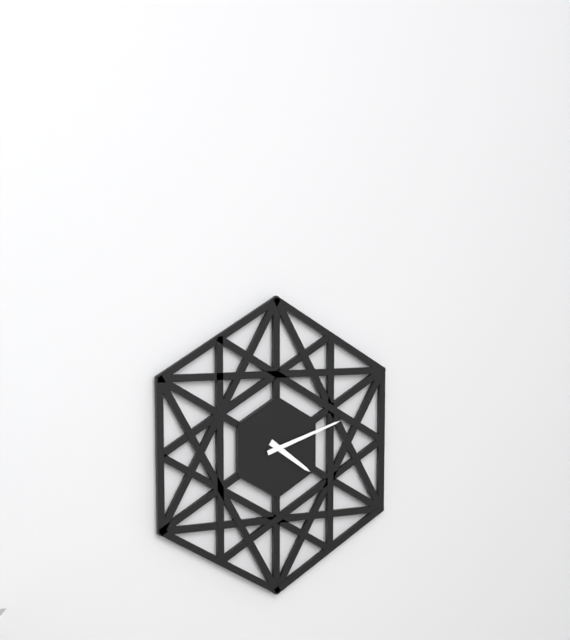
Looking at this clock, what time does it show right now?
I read 4:12
